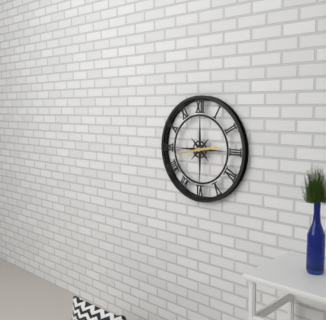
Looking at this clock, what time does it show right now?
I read 2:43
